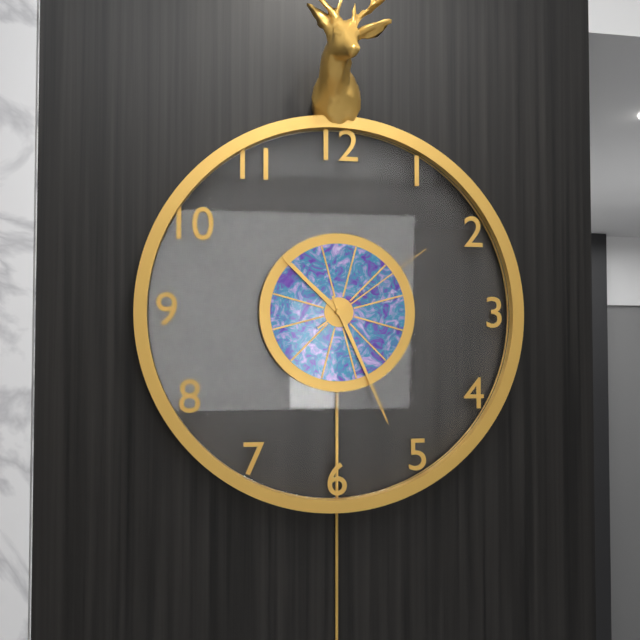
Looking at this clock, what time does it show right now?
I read 10:26:09
